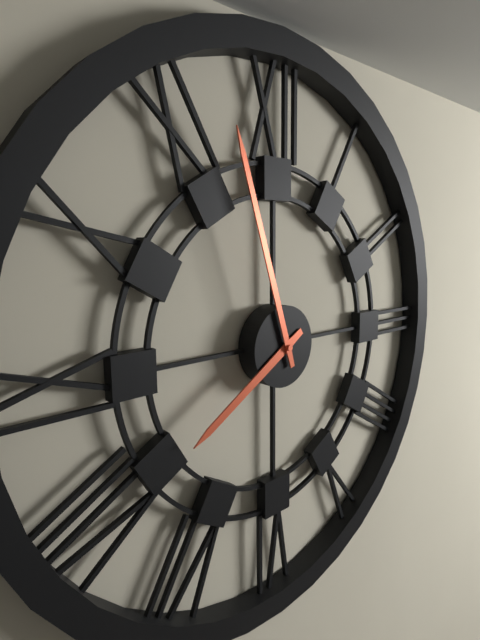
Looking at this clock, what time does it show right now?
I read 7:57
